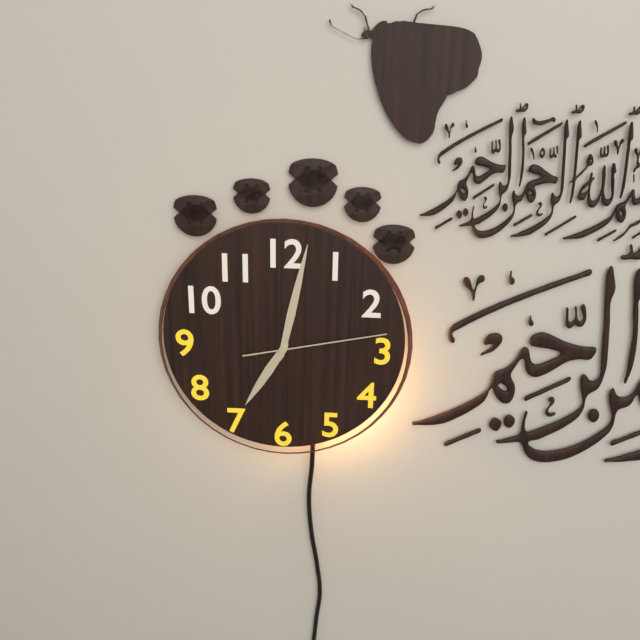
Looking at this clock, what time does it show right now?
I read 7:02:13
